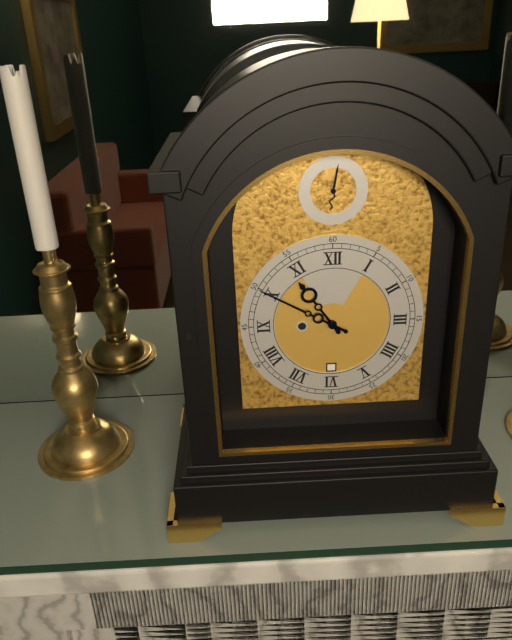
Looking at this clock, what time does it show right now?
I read 10:50
